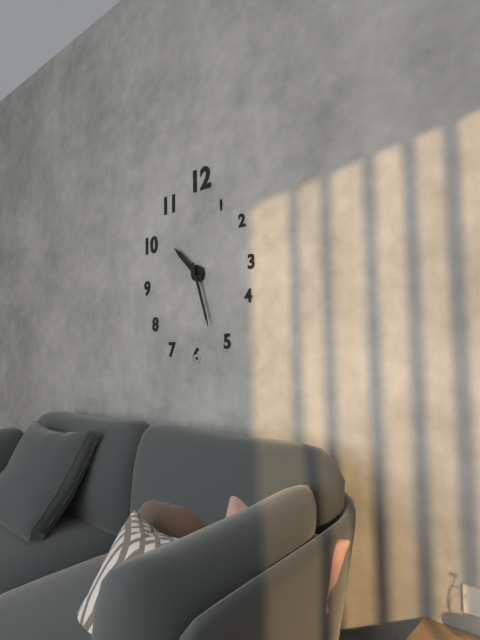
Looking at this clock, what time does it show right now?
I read 10:27
